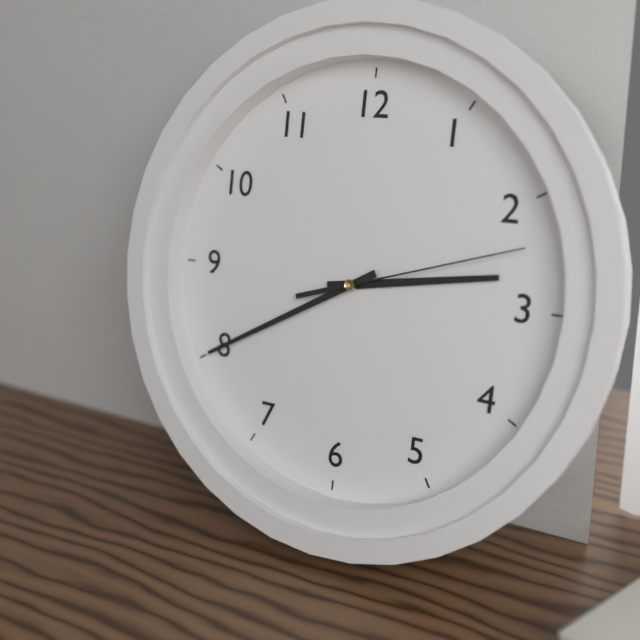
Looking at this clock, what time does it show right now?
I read 2:40:12
